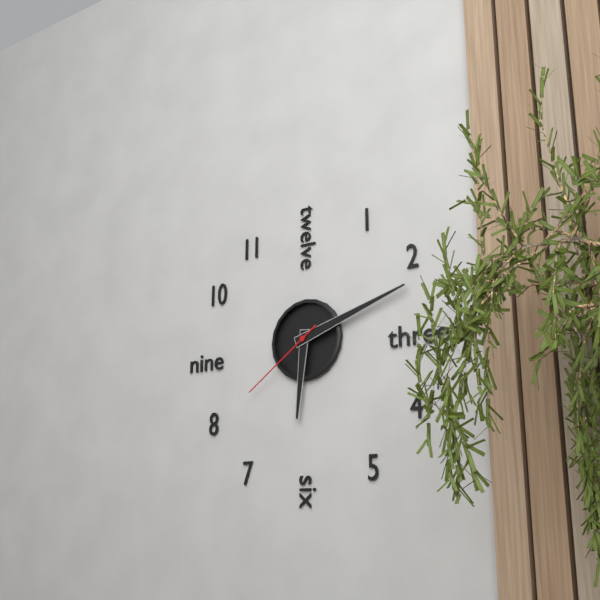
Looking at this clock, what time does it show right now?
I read 6:12:39
